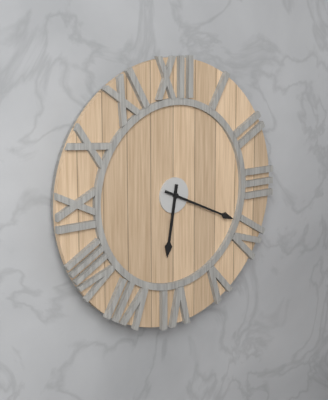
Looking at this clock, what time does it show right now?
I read 6:19
